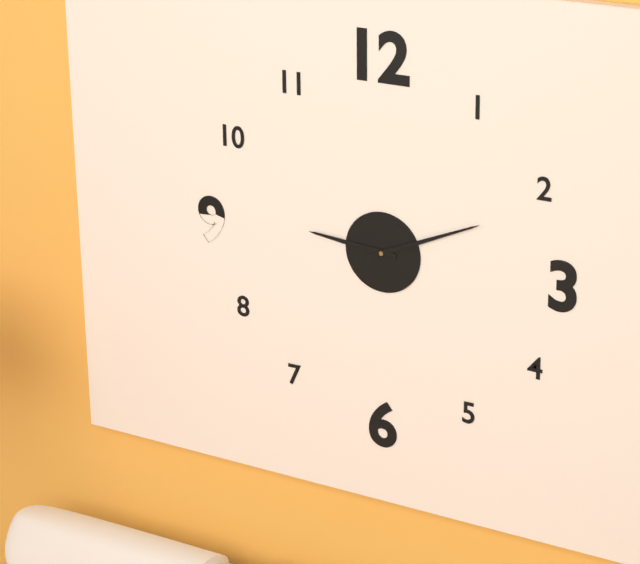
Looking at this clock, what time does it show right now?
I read 9:11
